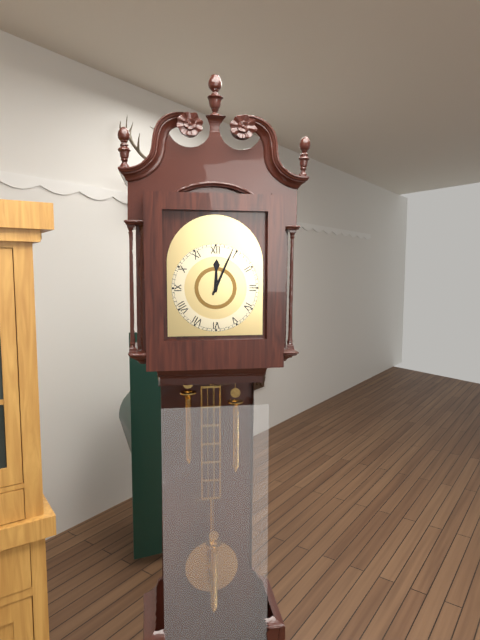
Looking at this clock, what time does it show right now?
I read 12:04
